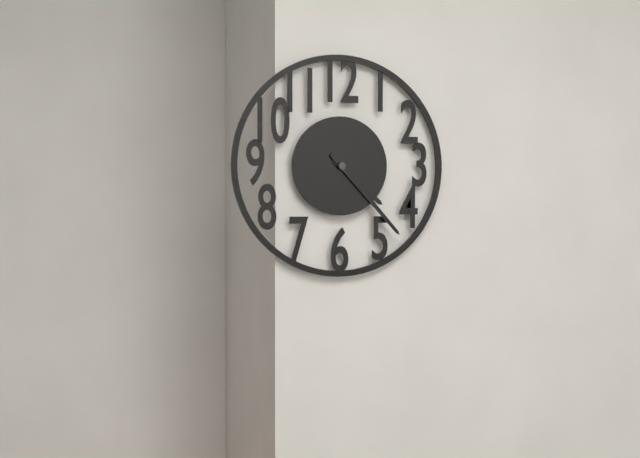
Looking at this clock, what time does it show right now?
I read 4:23
